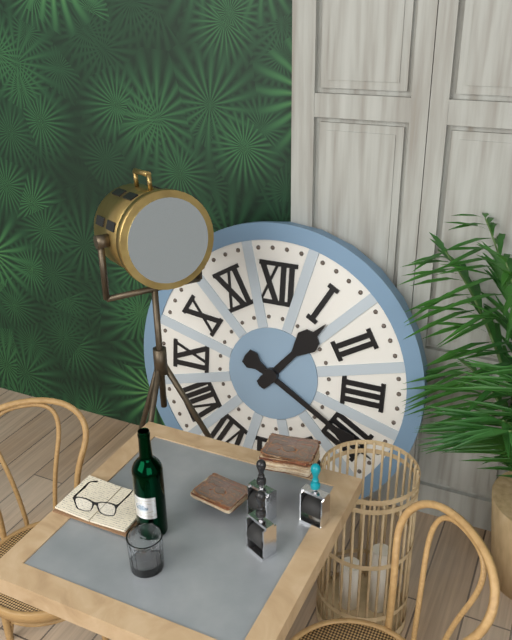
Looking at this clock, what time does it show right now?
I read 1:20
